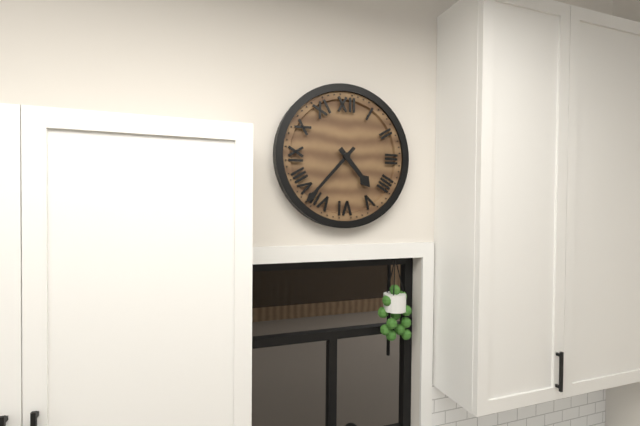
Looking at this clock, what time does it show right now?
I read 4:37
